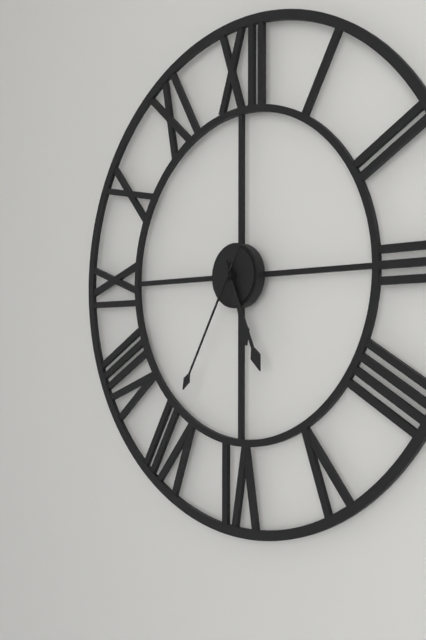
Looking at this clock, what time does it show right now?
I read 5:26:35
